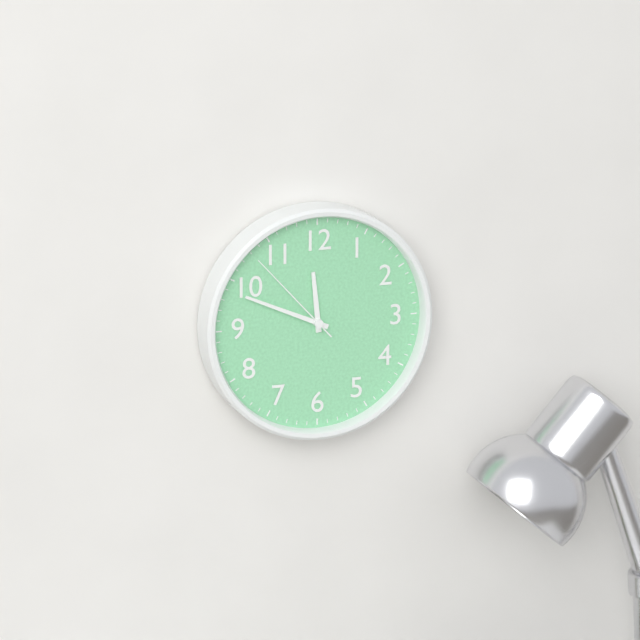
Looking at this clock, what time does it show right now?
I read 11:49:53
